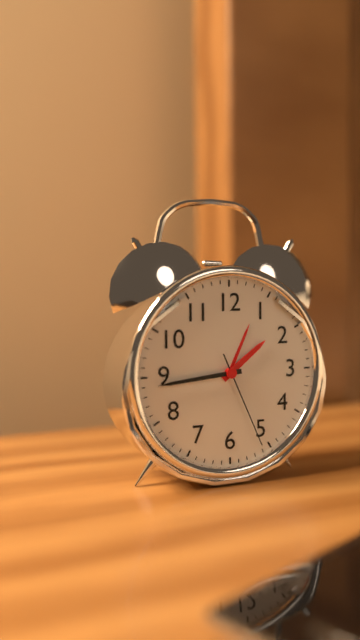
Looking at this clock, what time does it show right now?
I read 1:44:26
